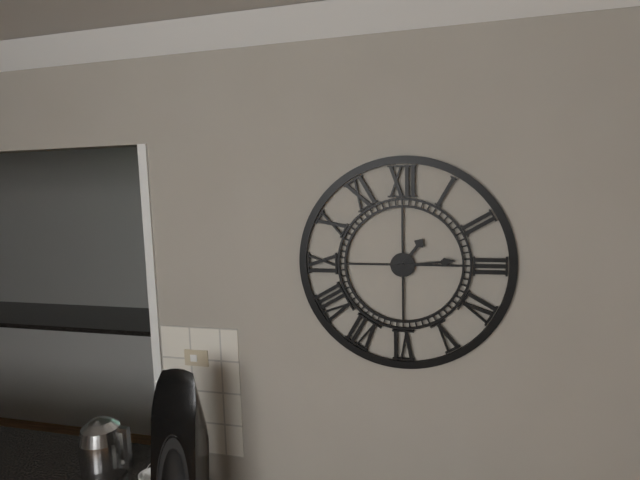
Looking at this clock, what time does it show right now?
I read 1:14
